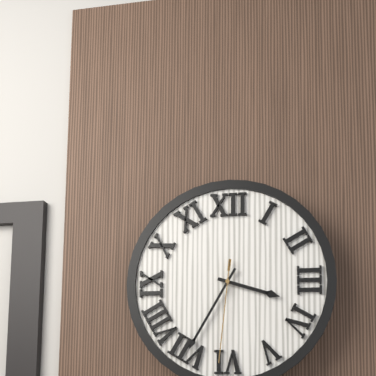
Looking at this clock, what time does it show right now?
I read 3:35:31
